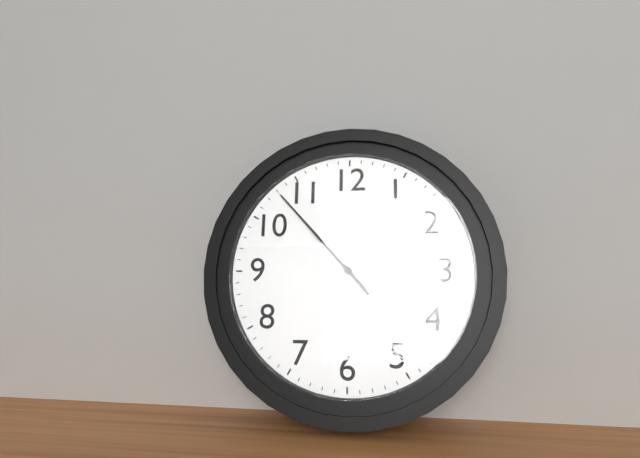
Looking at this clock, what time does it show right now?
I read 12:53
